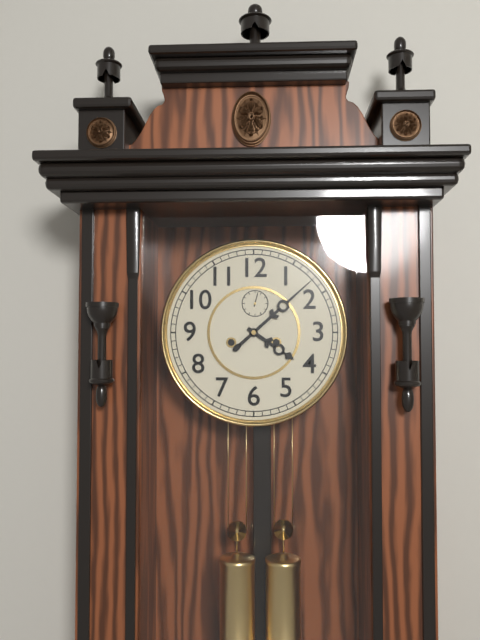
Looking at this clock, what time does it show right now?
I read 4:08
